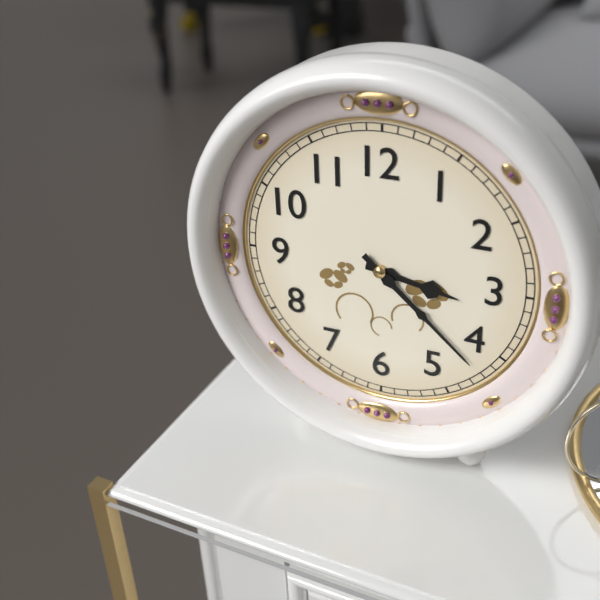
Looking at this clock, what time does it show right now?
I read 3:22
